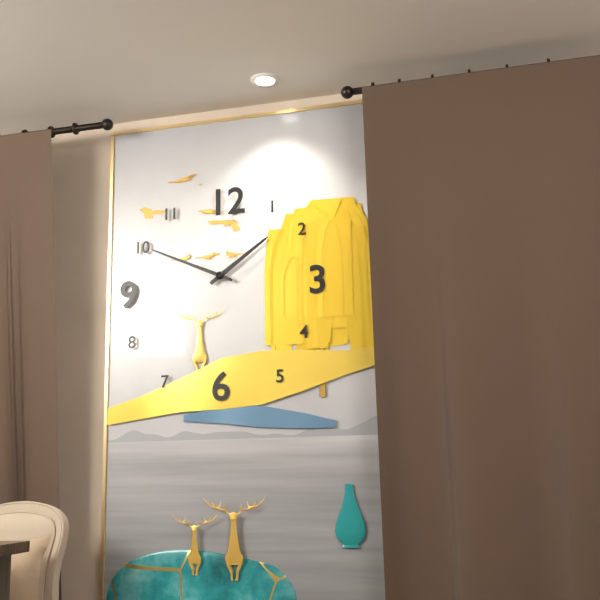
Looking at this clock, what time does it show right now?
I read 1:49
